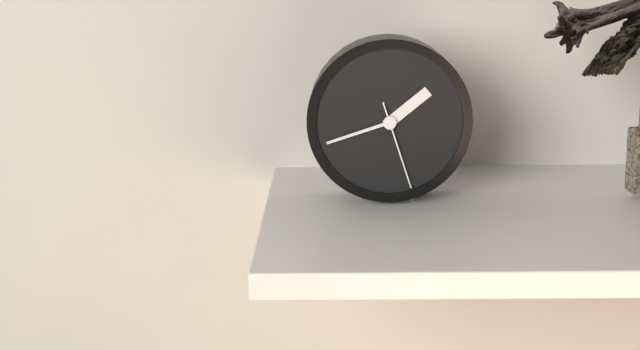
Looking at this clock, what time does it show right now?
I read 1:42:27
